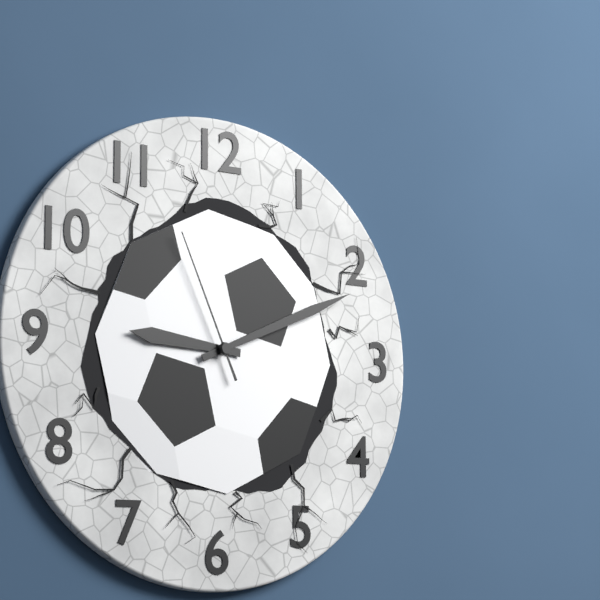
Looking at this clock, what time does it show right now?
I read 9:11:56
